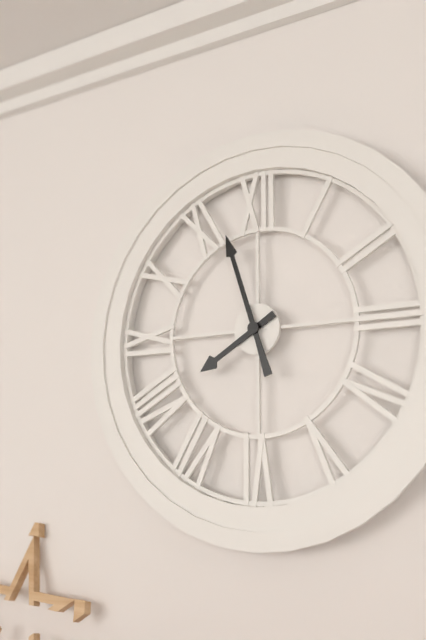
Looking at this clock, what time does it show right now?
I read 7:57
